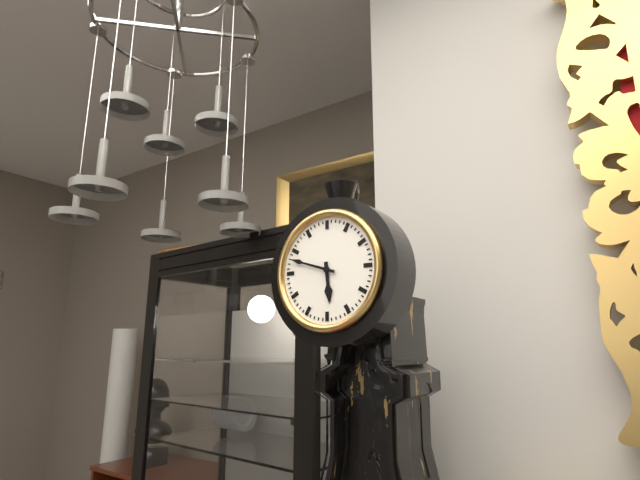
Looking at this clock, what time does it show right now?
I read 5:48
